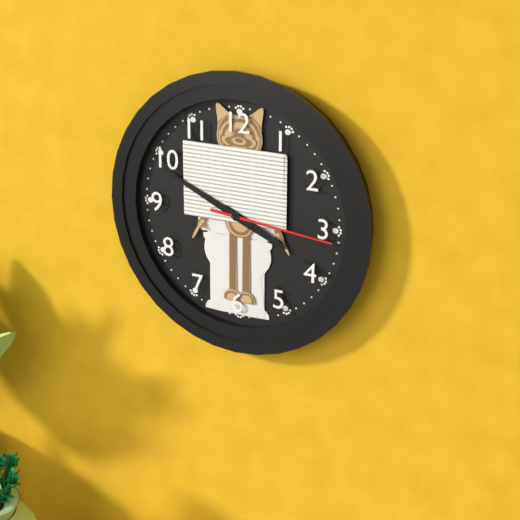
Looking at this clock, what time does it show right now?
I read 3:49:16
